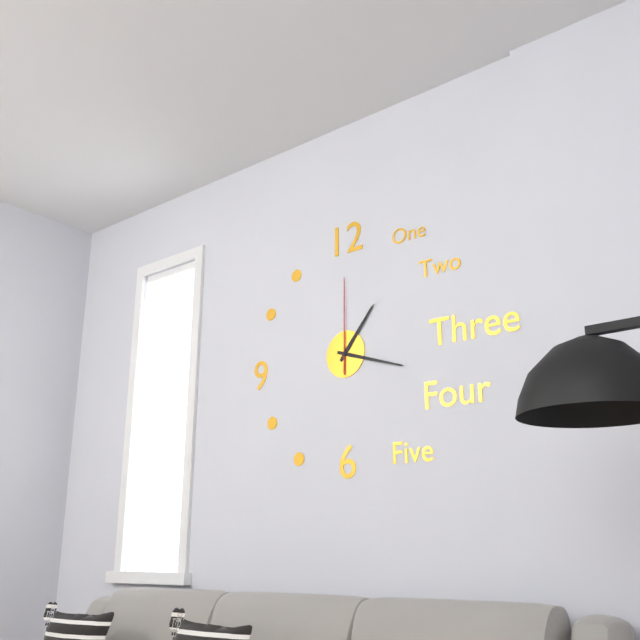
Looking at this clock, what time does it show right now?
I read 1:18:00
